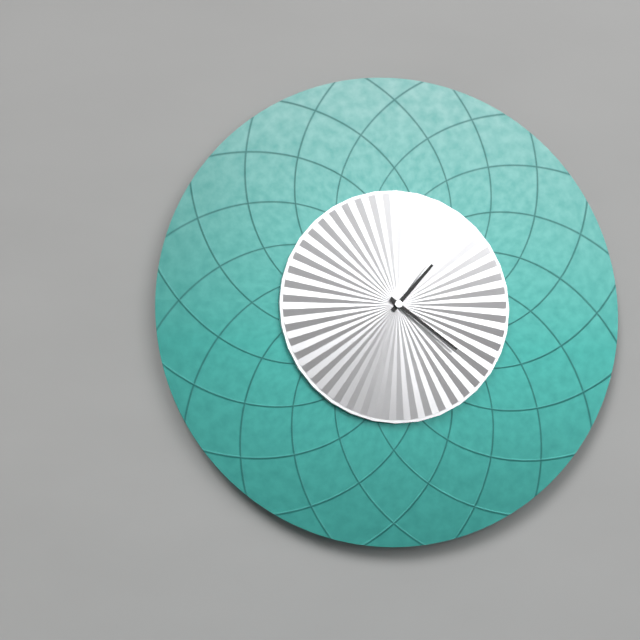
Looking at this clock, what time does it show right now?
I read 1:21
